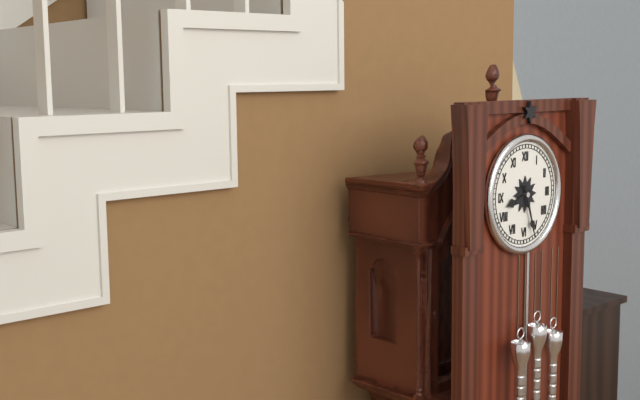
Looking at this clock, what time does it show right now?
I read 8:27
